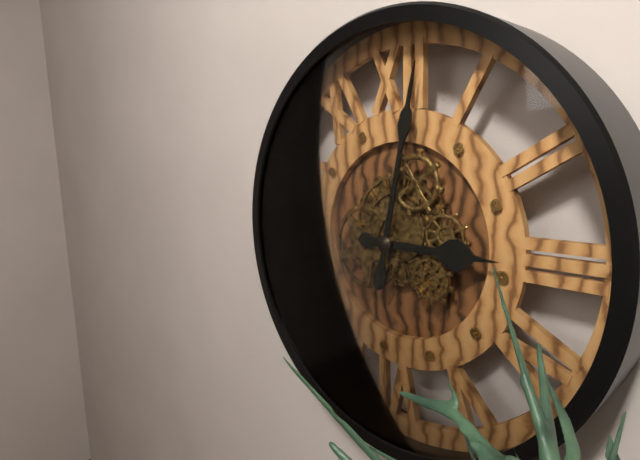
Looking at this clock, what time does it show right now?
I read 3:02
